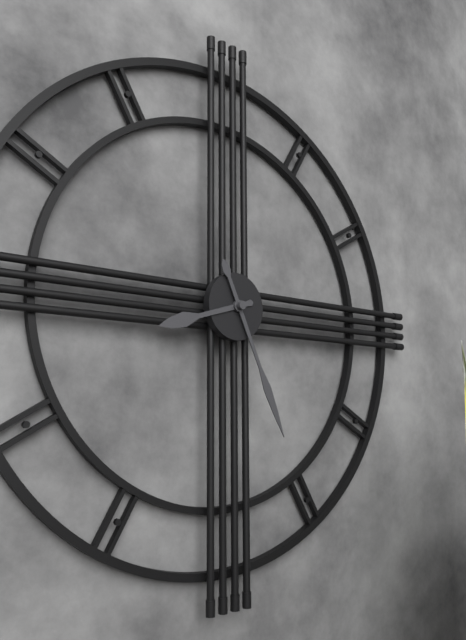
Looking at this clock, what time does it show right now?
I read 8:26
